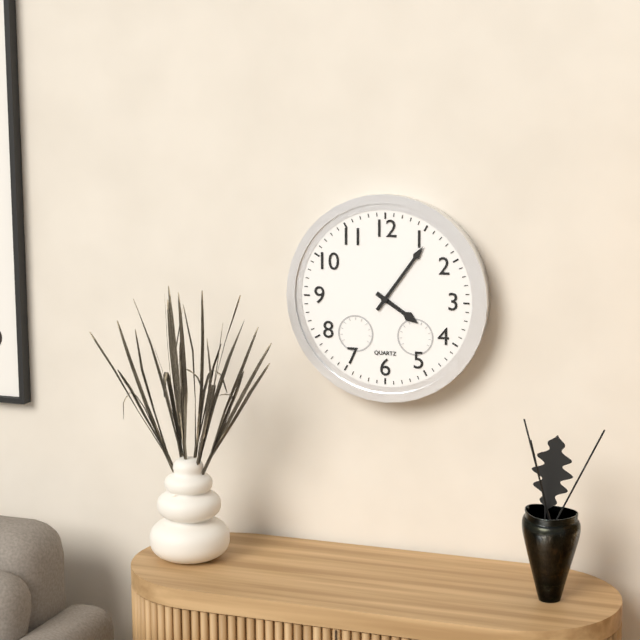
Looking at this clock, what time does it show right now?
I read 4:06
